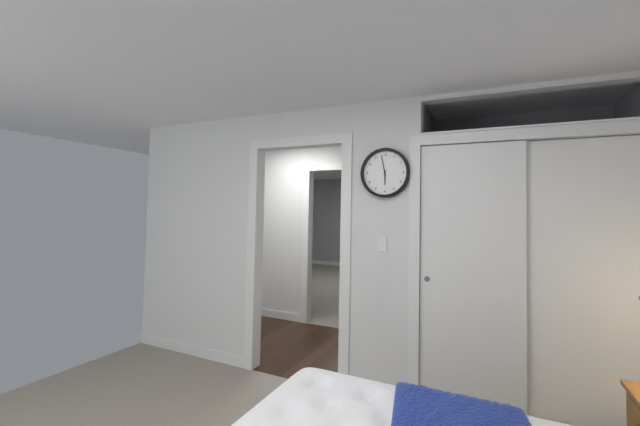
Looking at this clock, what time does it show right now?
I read 5:58
